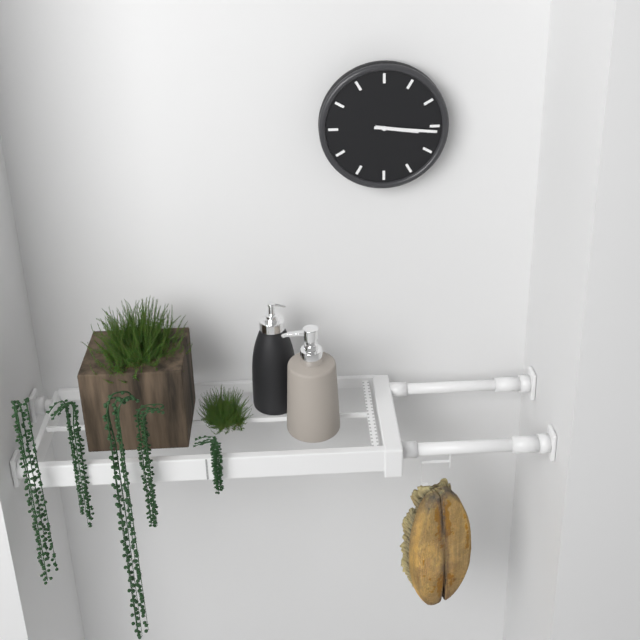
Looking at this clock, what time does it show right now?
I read 3:16
